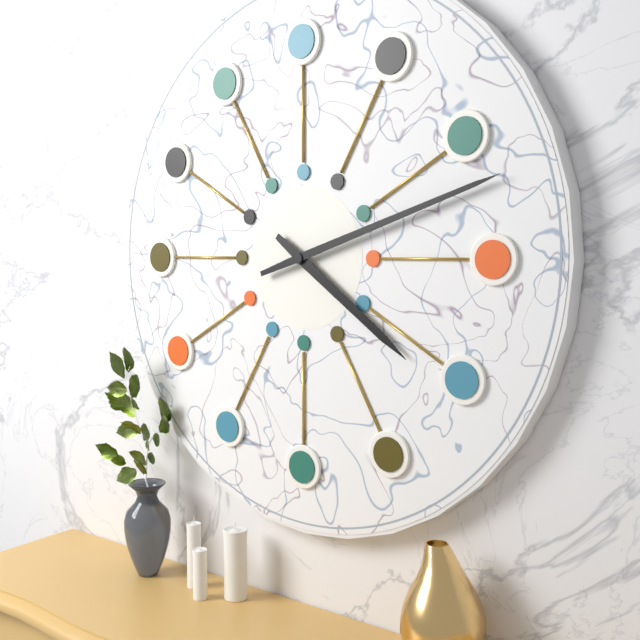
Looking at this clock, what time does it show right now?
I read 4:12
